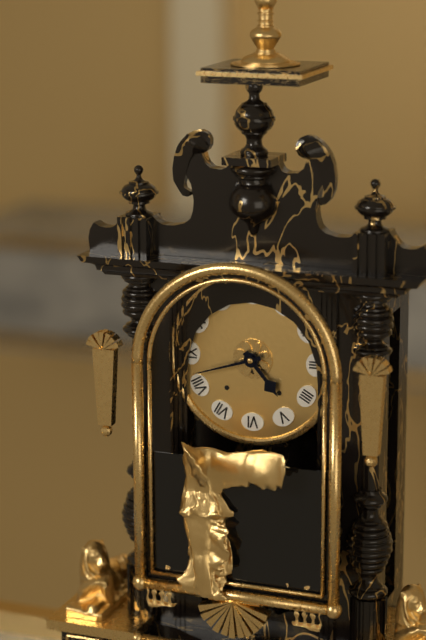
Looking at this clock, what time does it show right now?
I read 4:42
